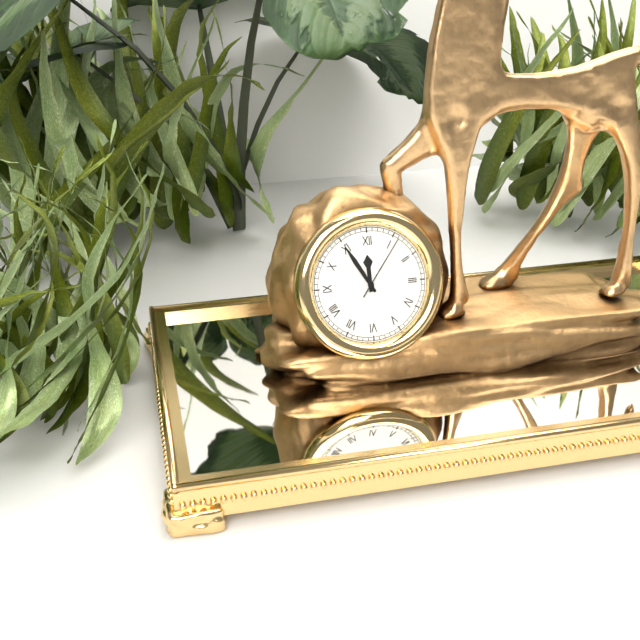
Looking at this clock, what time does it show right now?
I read 11:55:06
